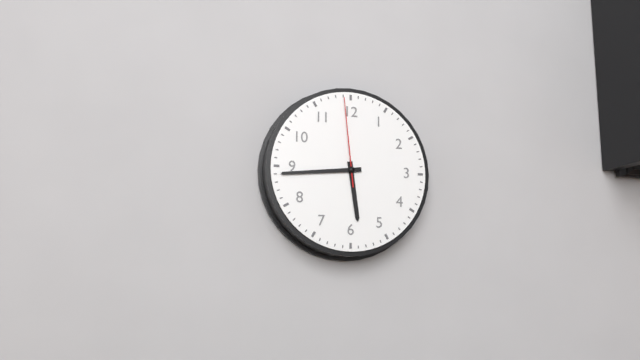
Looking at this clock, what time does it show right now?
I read 5:44:59
